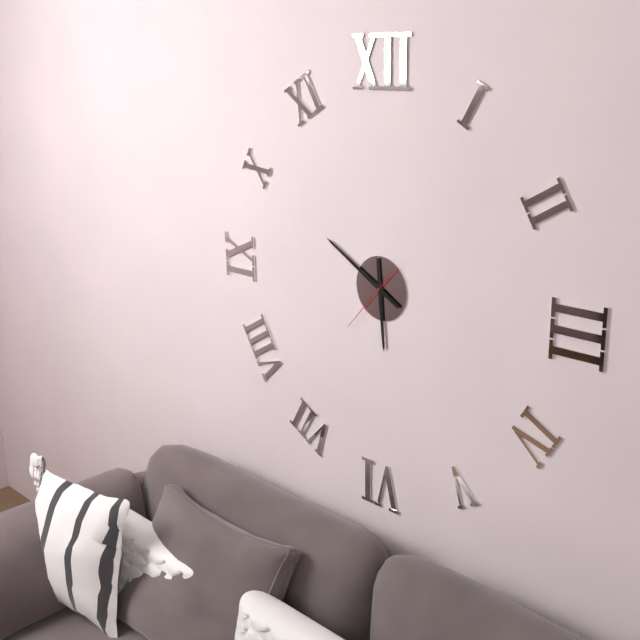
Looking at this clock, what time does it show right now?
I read 5:50:37
